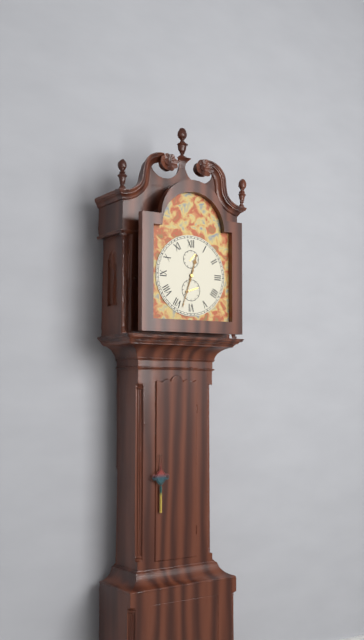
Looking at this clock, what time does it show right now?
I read 12:33
